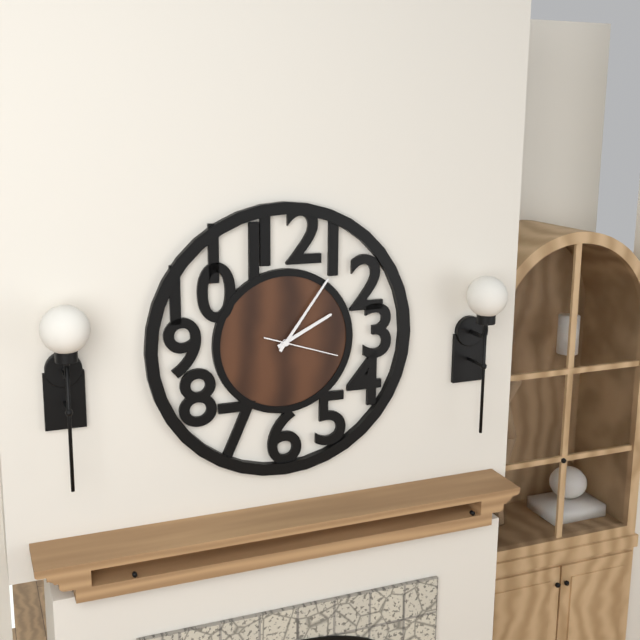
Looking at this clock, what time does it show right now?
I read 2:06:18
